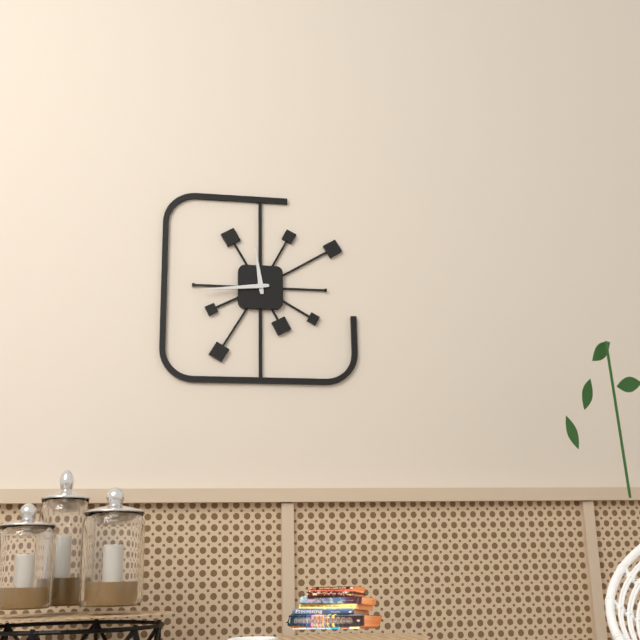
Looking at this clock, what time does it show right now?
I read 11:44
